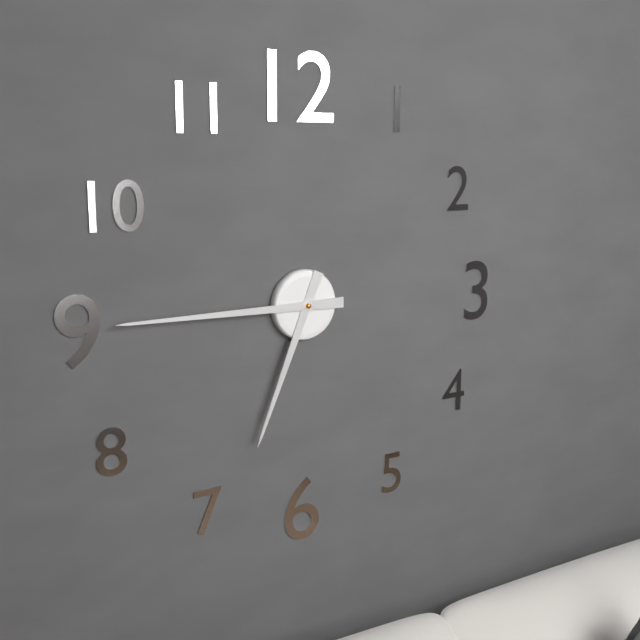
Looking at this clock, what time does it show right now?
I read 6:45
